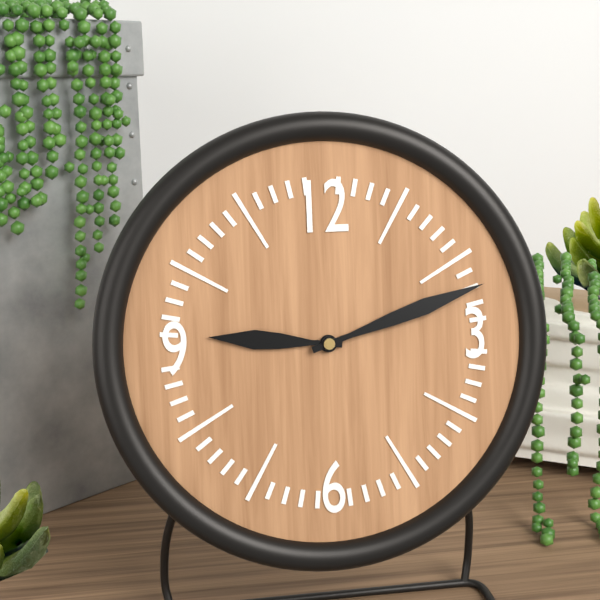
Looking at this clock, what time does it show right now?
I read 9:12
